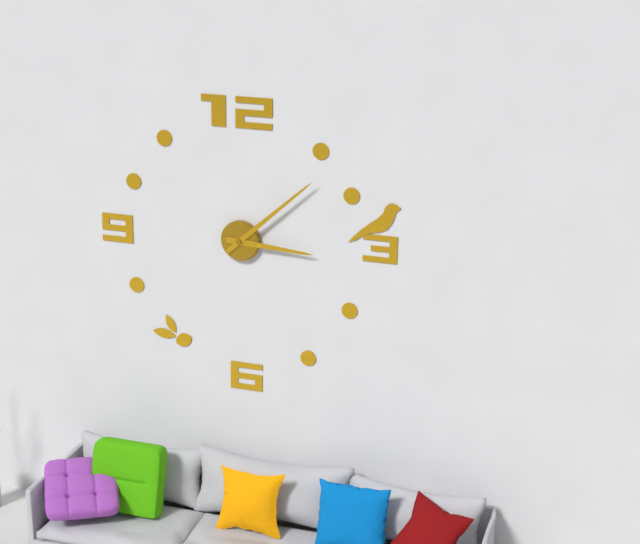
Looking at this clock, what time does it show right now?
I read 3:08
